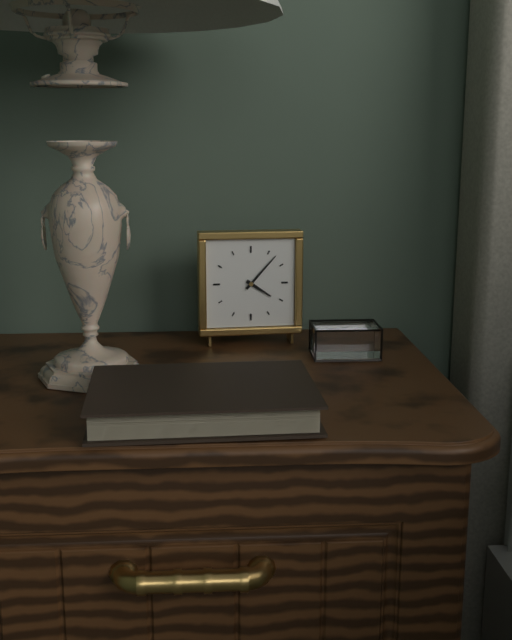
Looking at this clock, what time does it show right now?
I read 4:07
